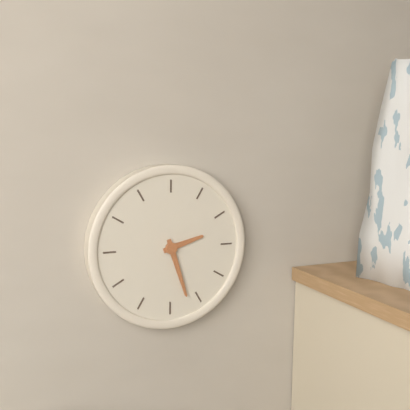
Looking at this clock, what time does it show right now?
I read 2:27
